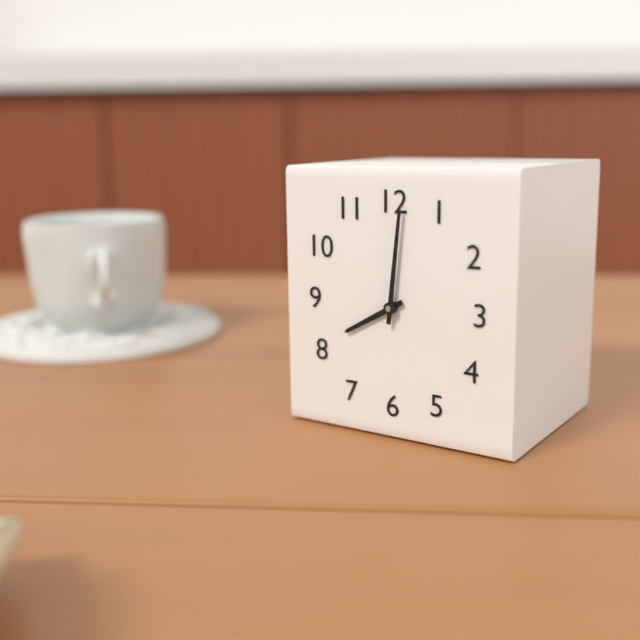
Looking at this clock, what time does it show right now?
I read 8:01
